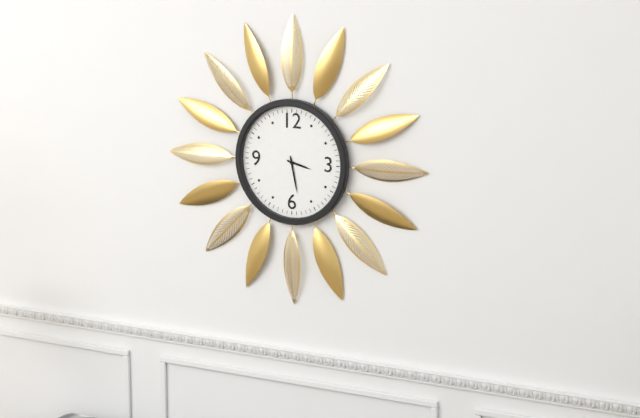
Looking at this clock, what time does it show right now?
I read 3:28
